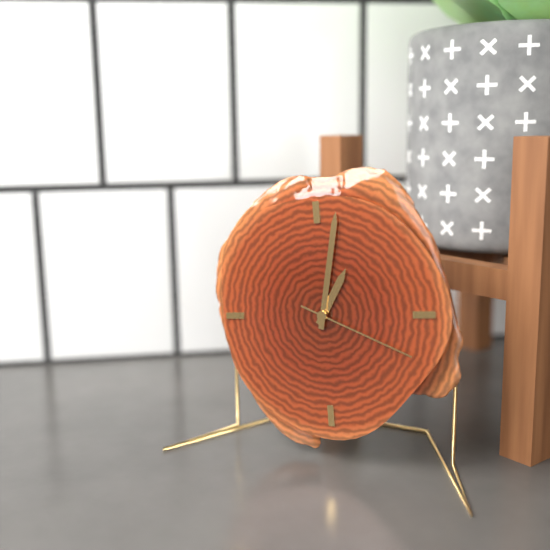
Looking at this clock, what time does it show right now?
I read 1:02:19
